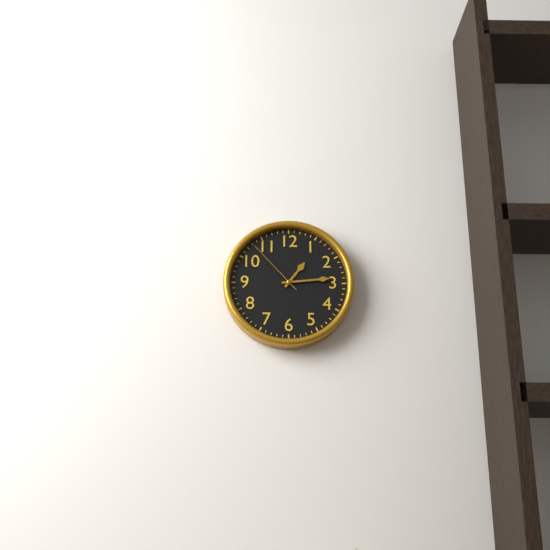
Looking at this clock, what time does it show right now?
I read 1:14:53
